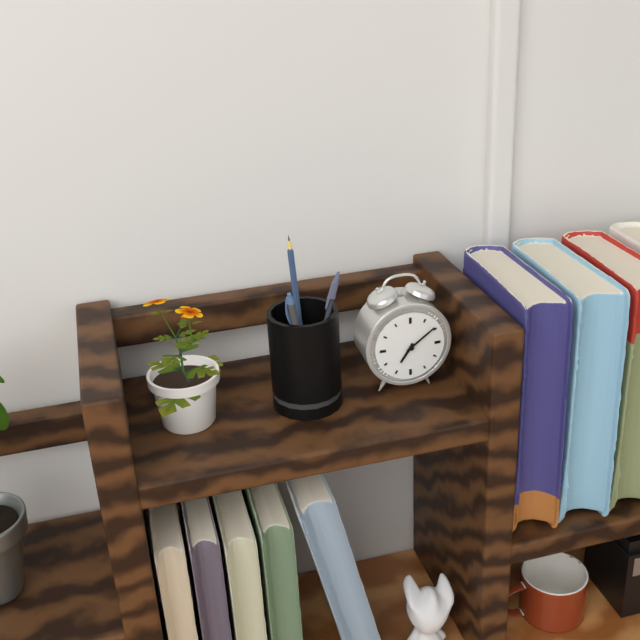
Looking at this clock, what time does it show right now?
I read 7:09
